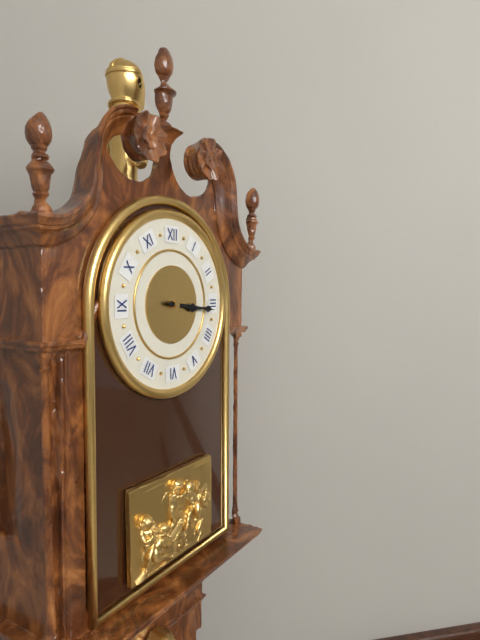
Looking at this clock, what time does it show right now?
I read 3:16
